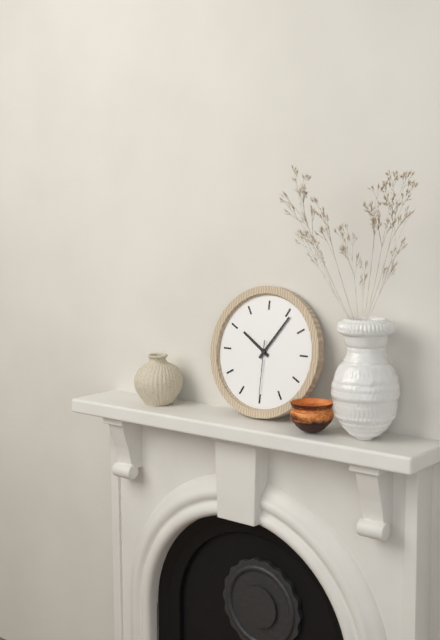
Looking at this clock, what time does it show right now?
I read 10:06:30
